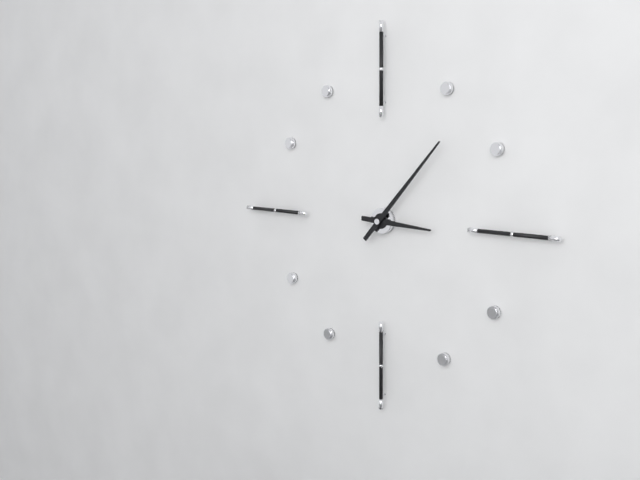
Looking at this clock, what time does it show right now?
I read 3:07
